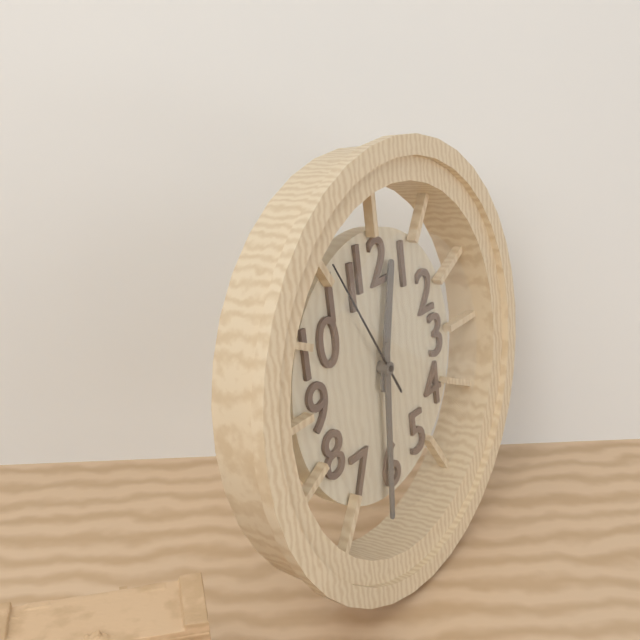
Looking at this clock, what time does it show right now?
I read 12:31:55
